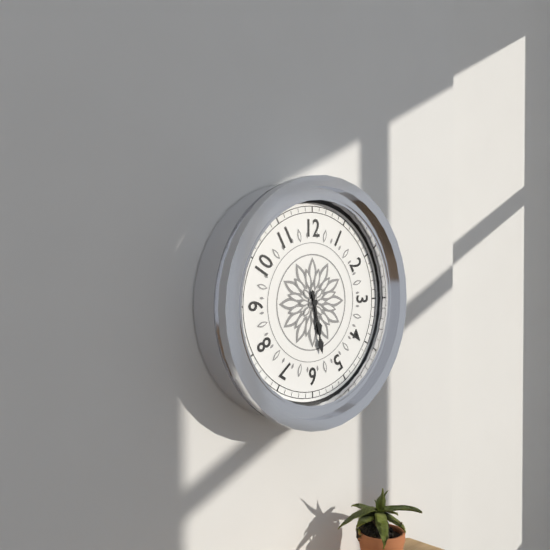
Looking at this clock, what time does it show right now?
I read 5:28
